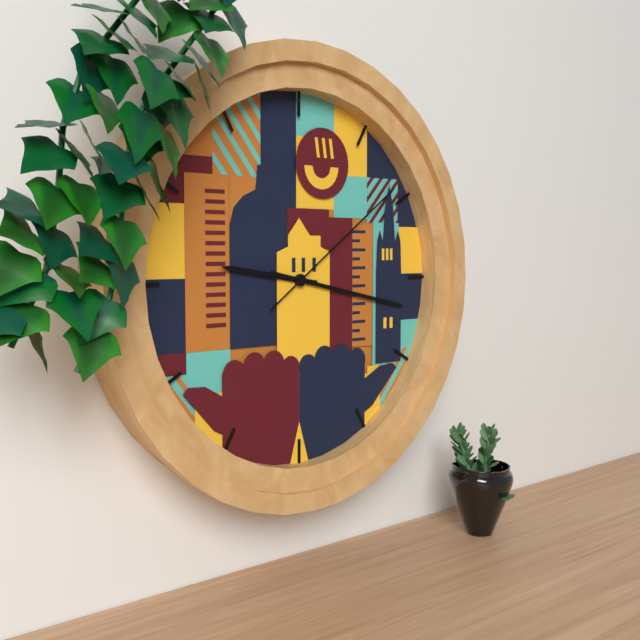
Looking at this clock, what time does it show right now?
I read 9:17:09
